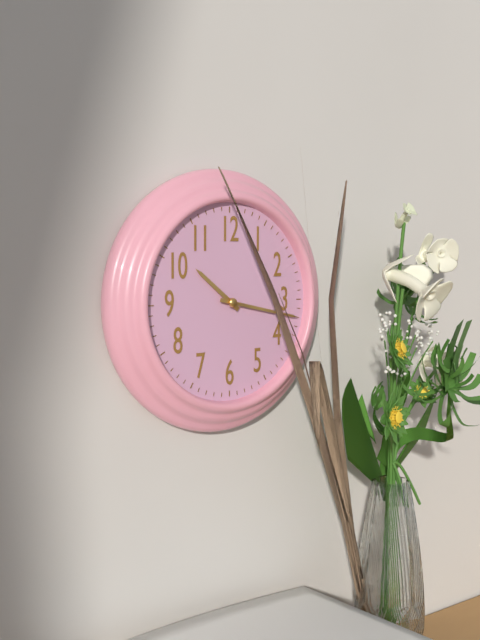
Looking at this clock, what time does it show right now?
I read 10:17
